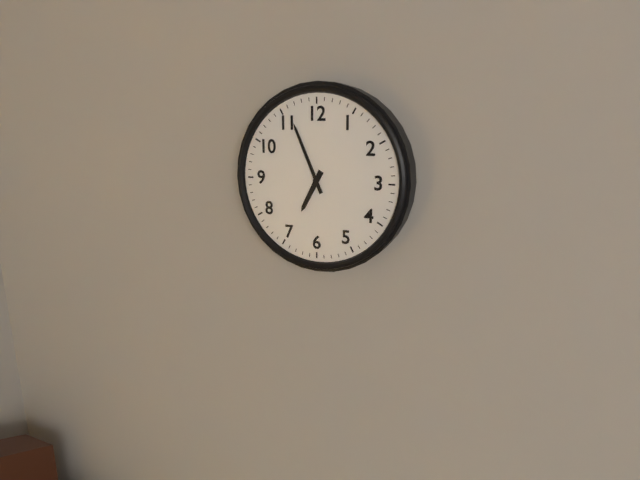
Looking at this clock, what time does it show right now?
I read 6:56
